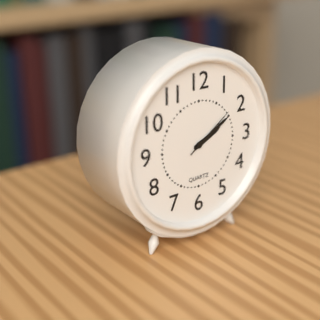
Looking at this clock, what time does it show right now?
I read 2:10:09
